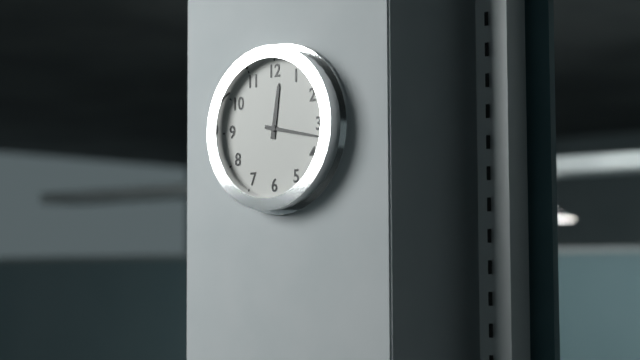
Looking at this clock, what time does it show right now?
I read 12:17
